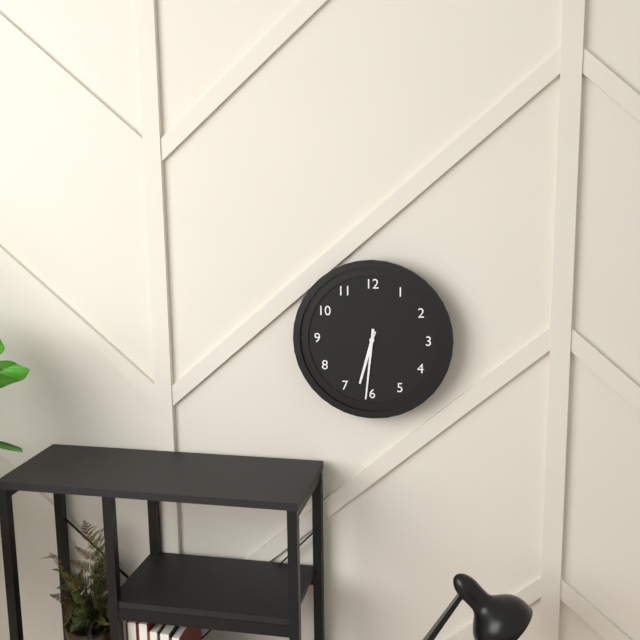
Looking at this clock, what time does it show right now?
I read 6:31
